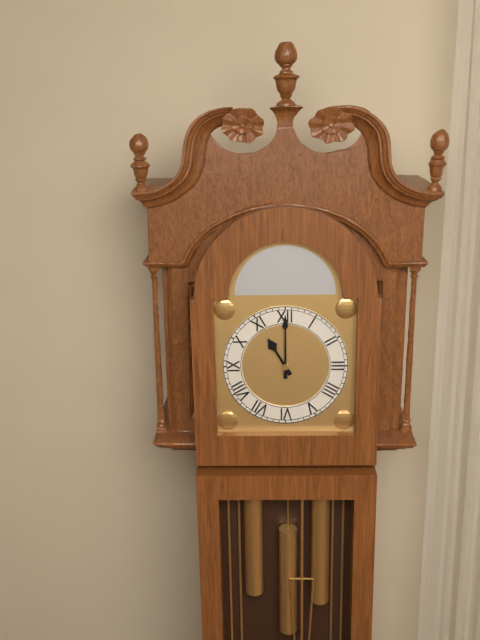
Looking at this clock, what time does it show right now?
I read 11:00
